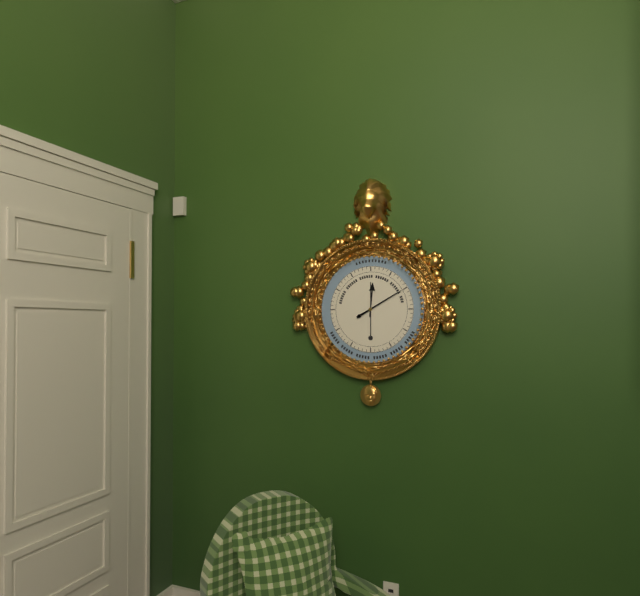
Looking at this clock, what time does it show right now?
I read 12:10
